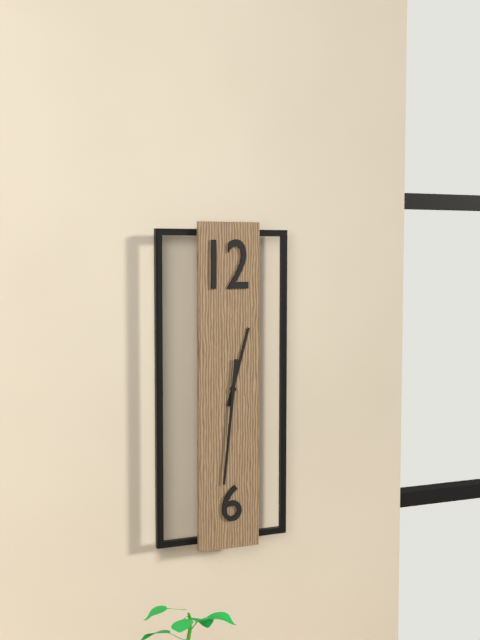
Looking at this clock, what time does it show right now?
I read 12:31
